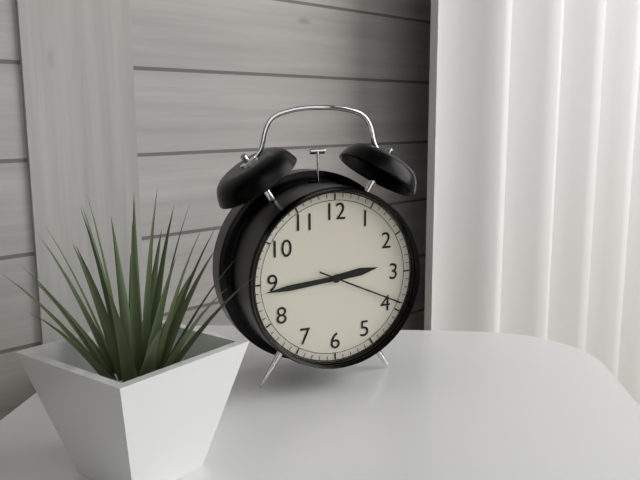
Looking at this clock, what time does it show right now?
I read 2:44:19
